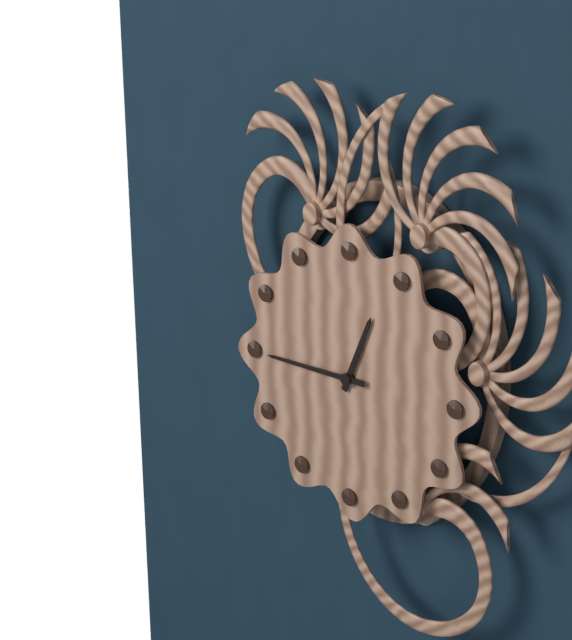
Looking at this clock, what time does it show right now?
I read 12:45
